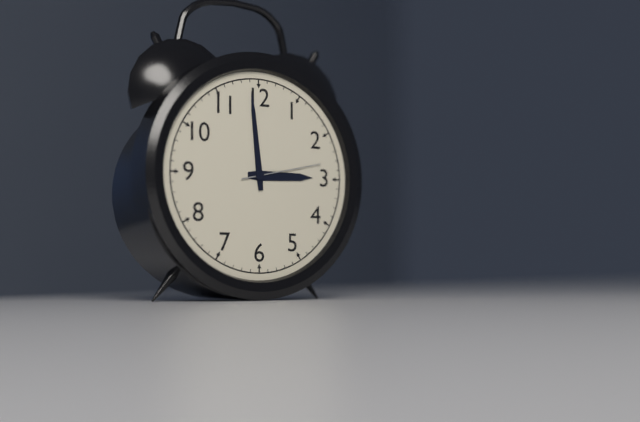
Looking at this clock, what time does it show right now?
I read 2:59:13
